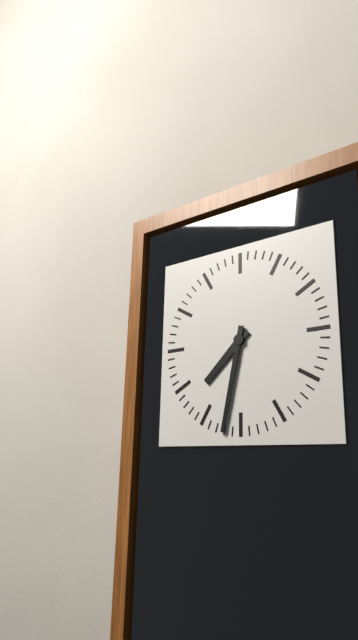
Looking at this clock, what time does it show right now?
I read 7:32
